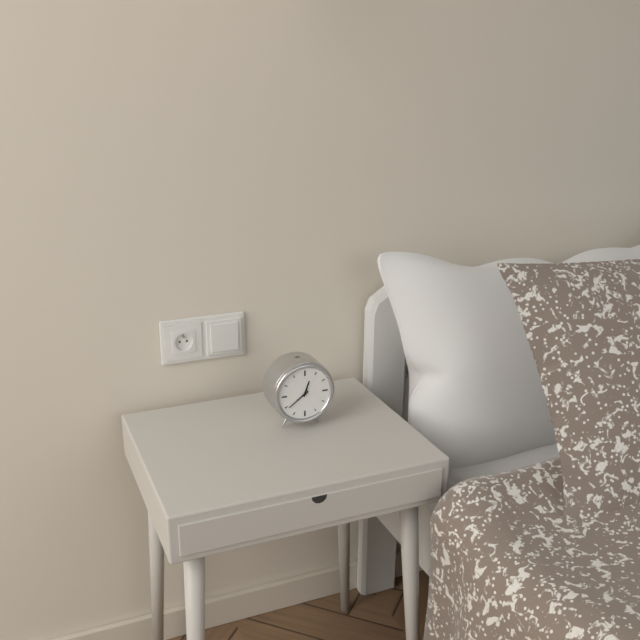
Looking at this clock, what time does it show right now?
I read 12:39
